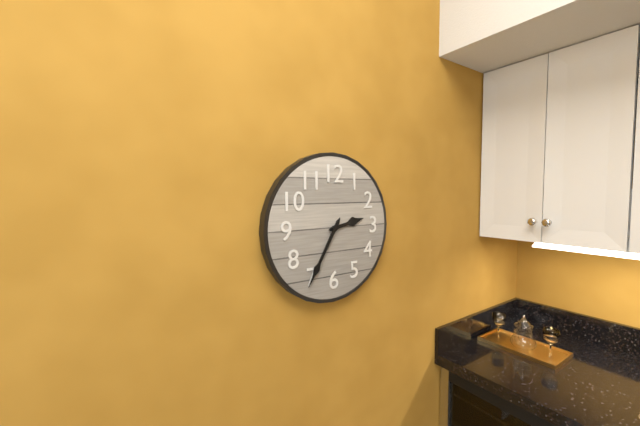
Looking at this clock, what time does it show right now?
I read 2:35
